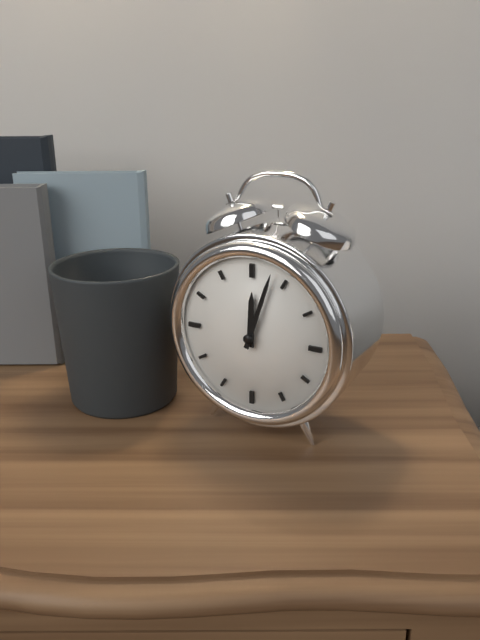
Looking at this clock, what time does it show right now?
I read 12:03
